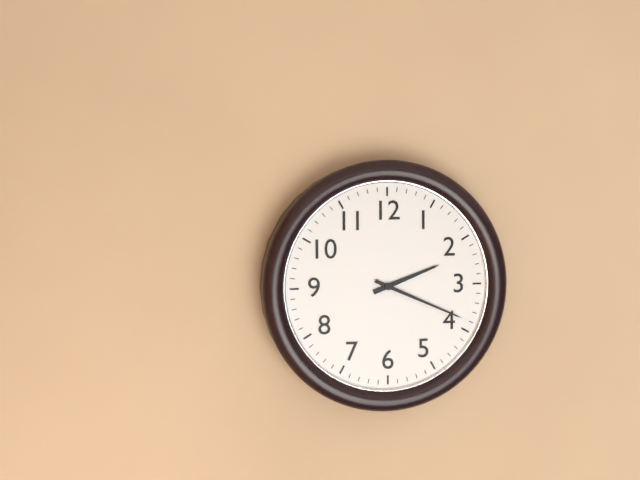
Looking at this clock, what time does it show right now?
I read 2:19
